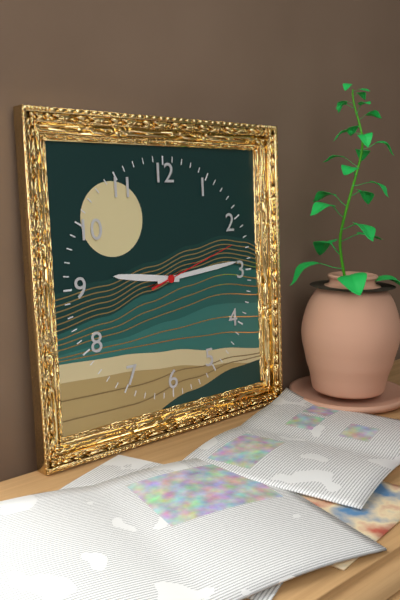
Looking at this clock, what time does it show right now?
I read 9:14:12
